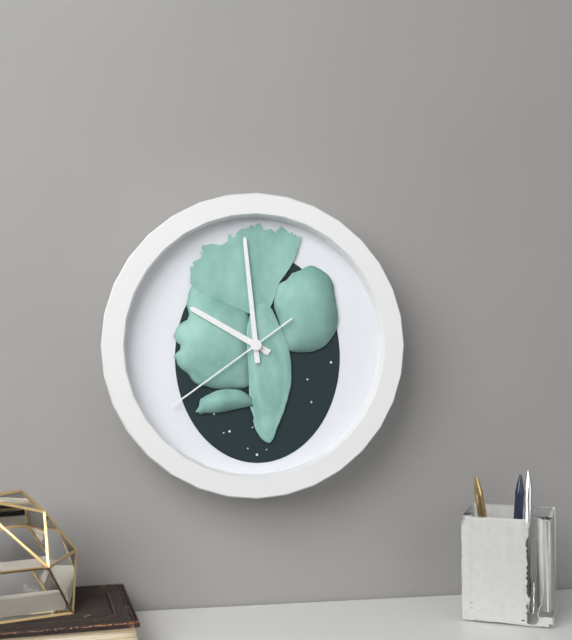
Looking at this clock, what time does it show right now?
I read 9:59:39
